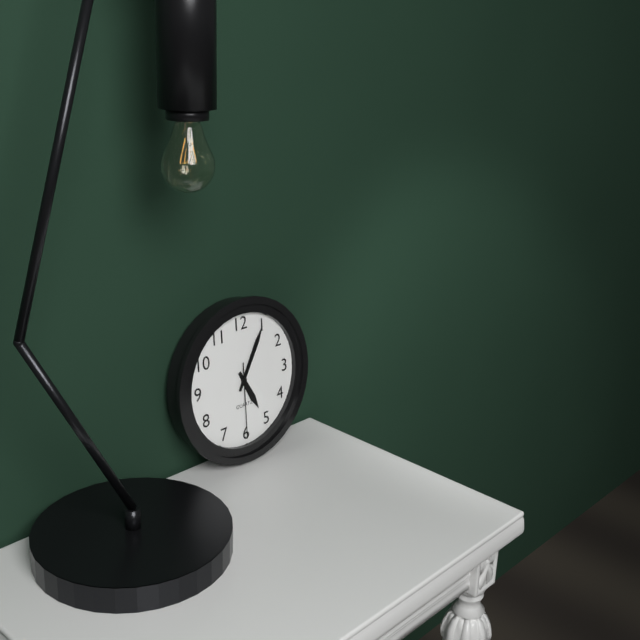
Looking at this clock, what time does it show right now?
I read 5:05:30
